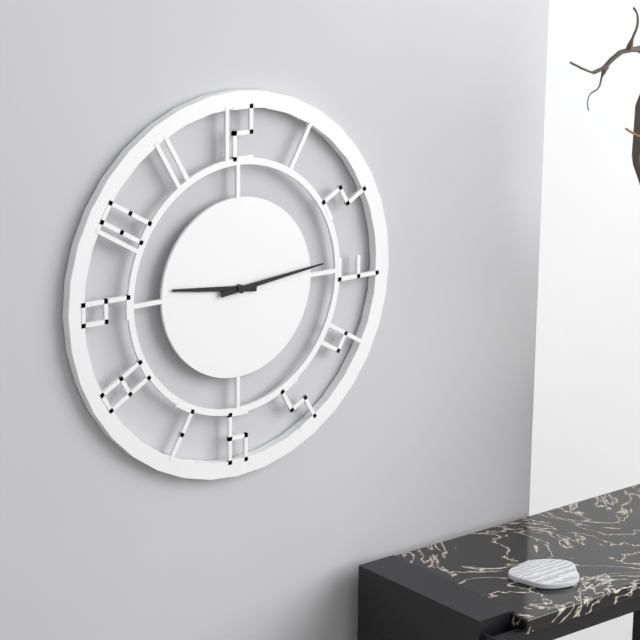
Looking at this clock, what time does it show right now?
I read 9:14
